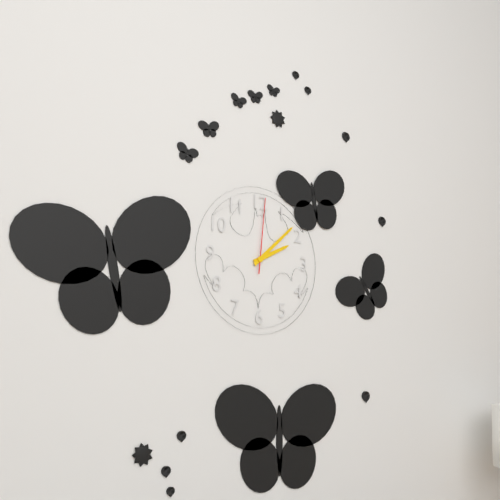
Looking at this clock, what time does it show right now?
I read 2:08:01
